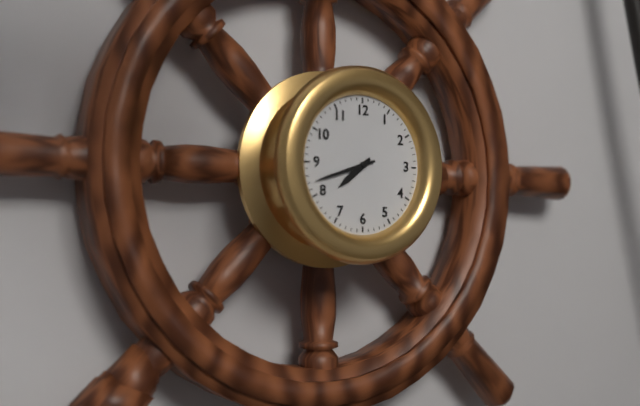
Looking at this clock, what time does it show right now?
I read 7:42
